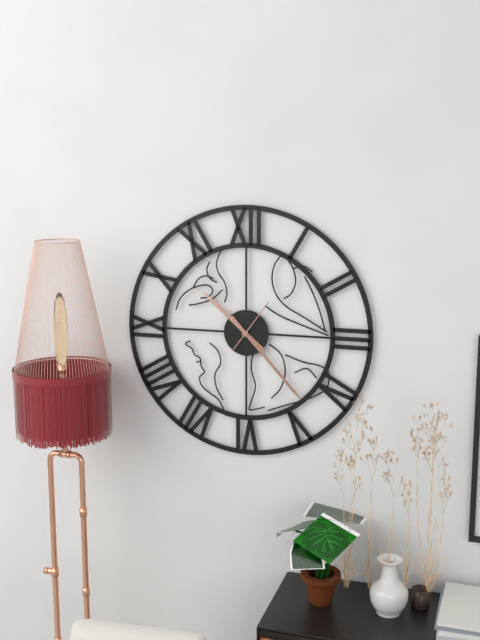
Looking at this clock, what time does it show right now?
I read 10:23
